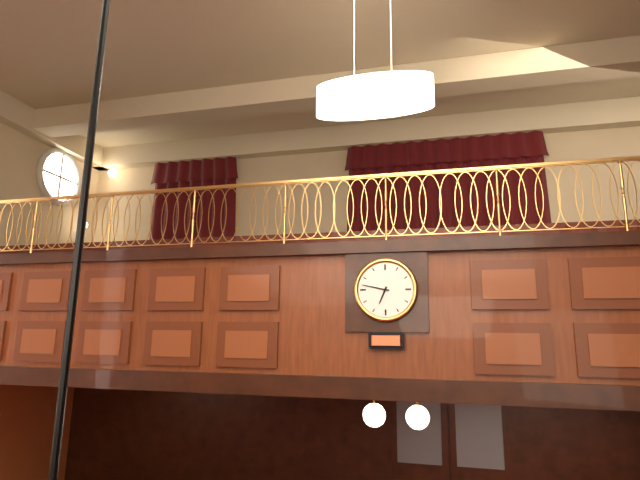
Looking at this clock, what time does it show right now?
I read 6:47
